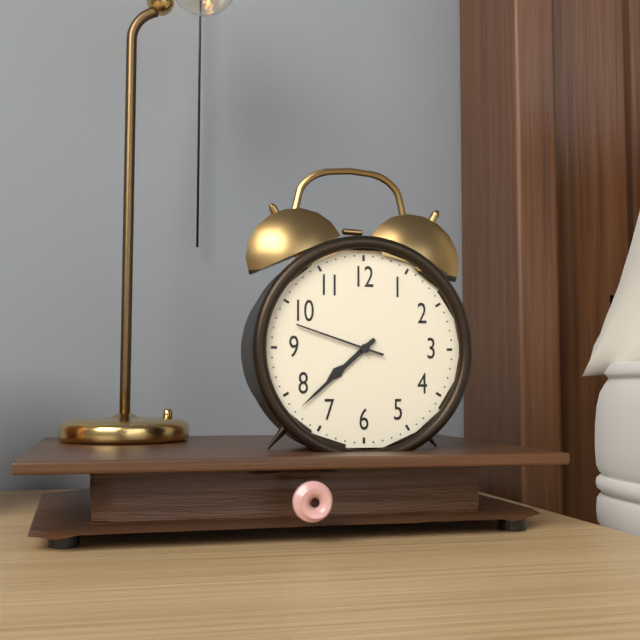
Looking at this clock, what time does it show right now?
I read 7:38:48
